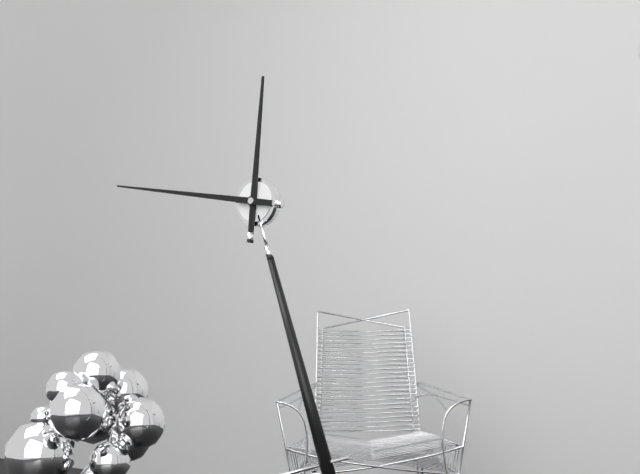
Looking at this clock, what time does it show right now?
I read 12:50
